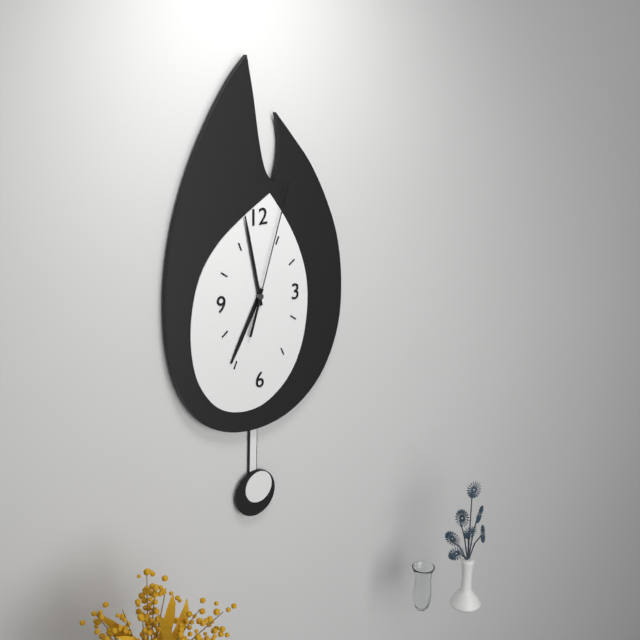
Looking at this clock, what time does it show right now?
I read 6:58:03
